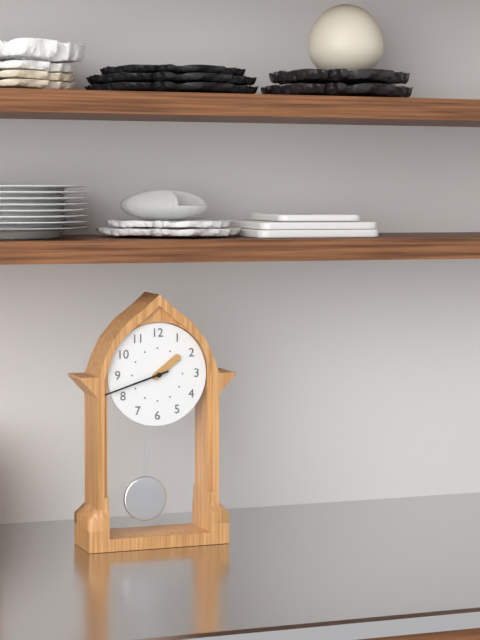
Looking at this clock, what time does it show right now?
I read 1:42
